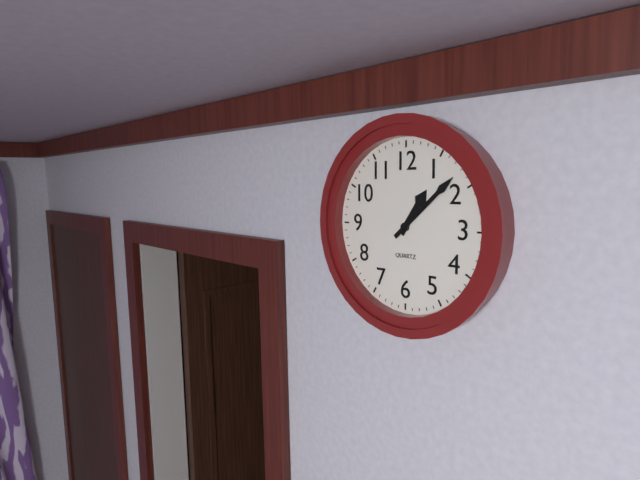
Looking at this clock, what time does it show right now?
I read 1:08
